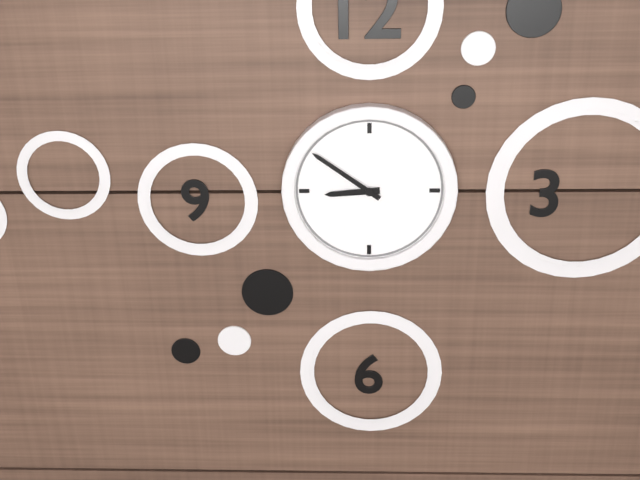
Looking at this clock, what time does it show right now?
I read 8:51
